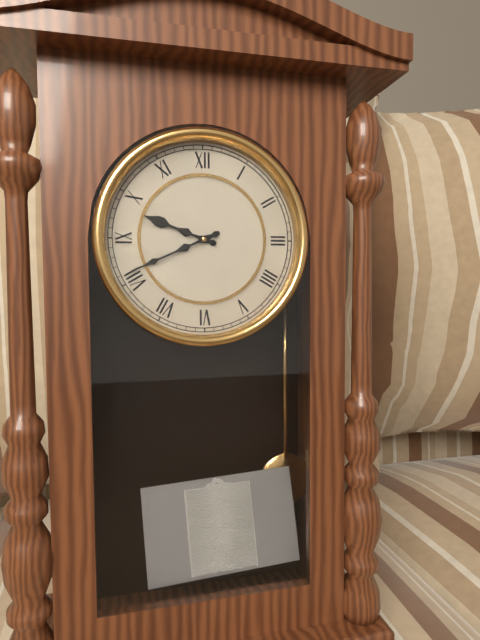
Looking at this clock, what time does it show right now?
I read 9:41
